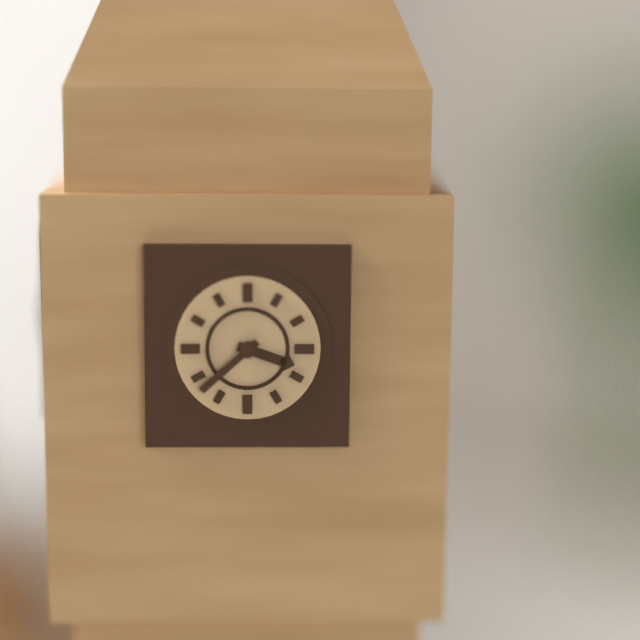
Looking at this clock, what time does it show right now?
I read 3:38
